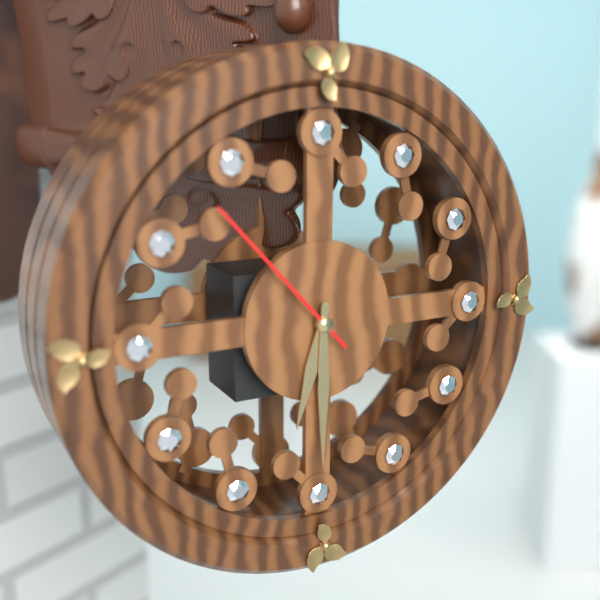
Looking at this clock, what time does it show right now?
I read 6:30:53
